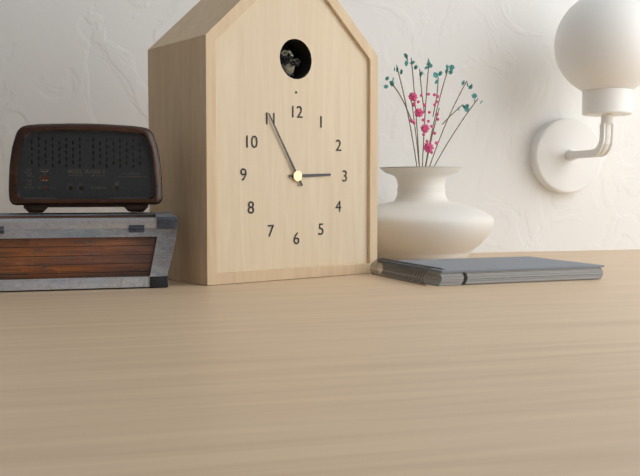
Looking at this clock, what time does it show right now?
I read 2:55
